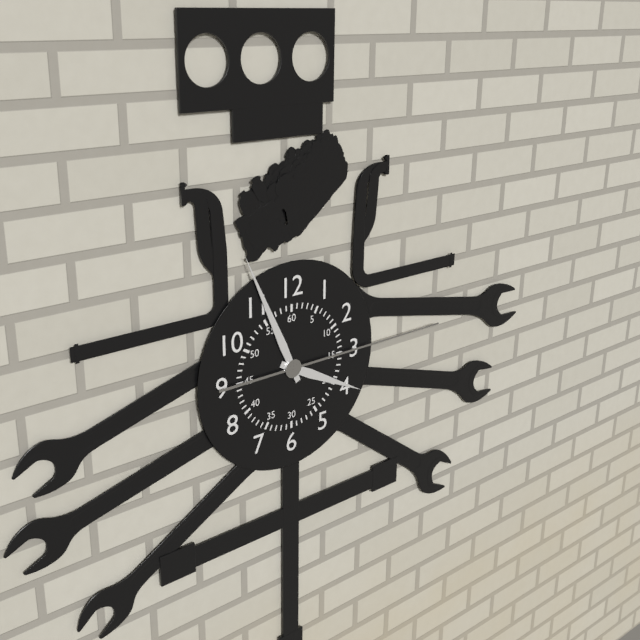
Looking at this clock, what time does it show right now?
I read 3:56:15
